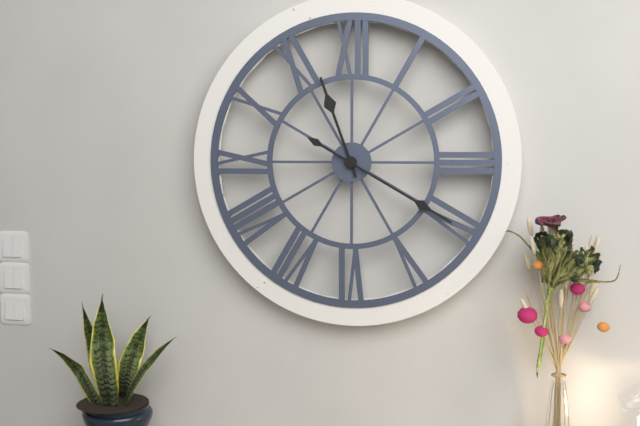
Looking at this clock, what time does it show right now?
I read 11:20
